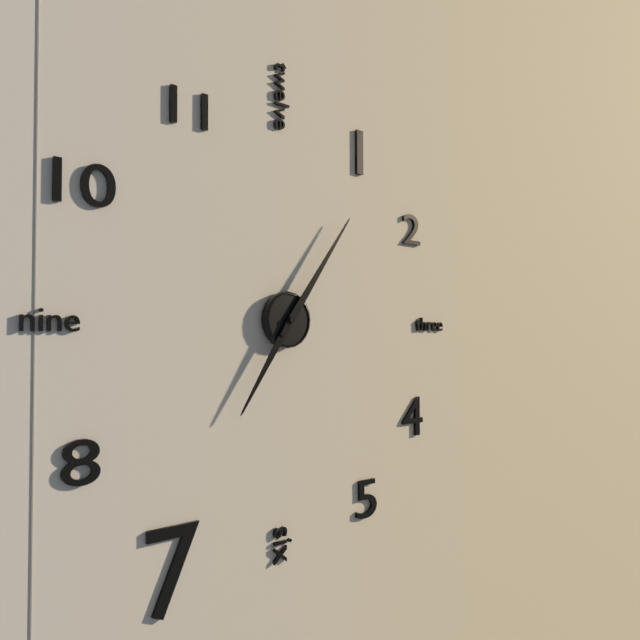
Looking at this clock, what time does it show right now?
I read 7:06
